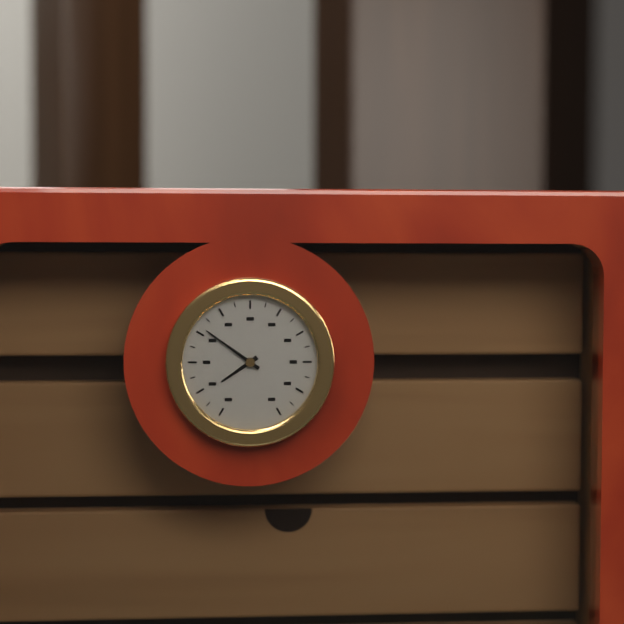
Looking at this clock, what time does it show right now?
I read 7:51
